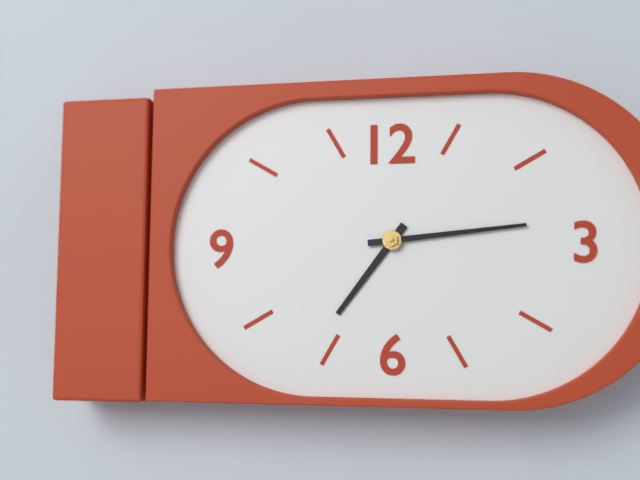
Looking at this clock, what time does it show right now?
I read 7:14
